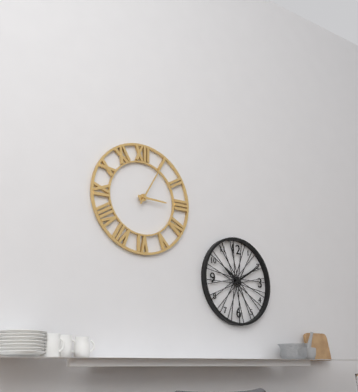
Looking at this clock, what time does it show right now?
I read 3:05
